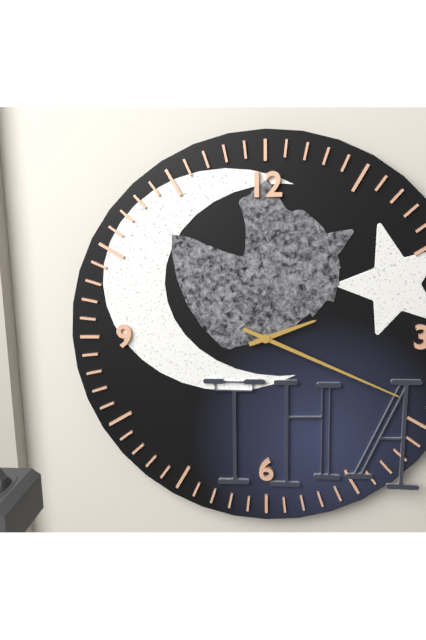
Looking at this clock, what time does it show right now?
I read 2:19
